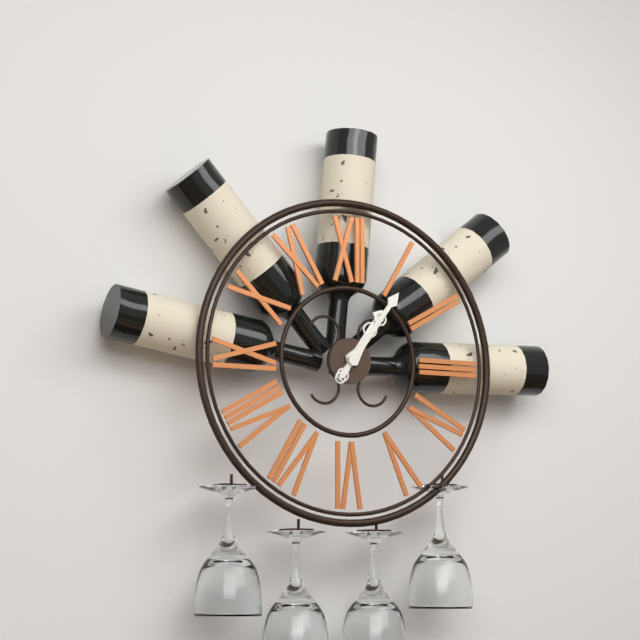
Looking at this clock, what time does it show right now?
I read 1:06
